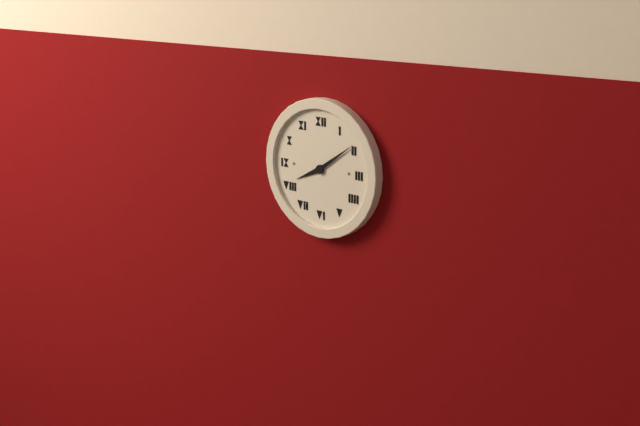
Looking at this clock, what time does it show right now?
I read 8:09
